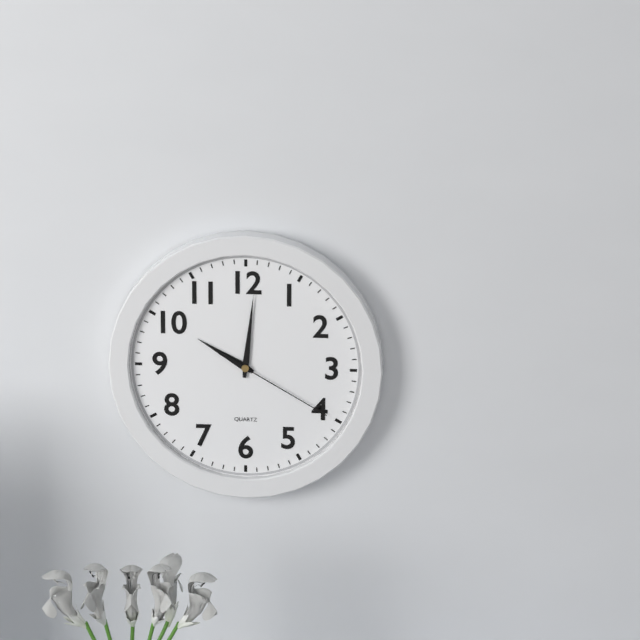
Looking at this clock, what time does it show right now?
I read 10:01:20
